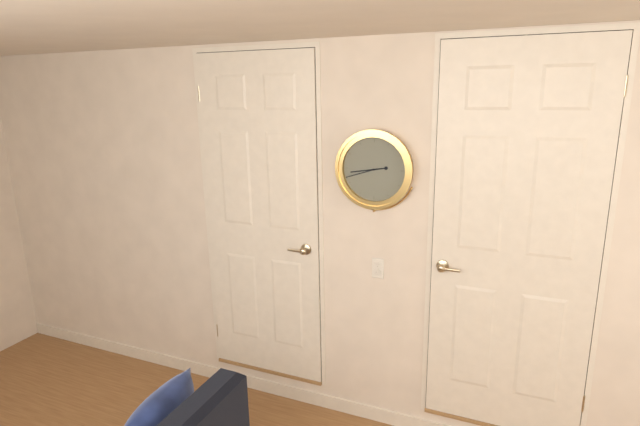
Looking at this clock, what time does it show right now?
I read 8:42
